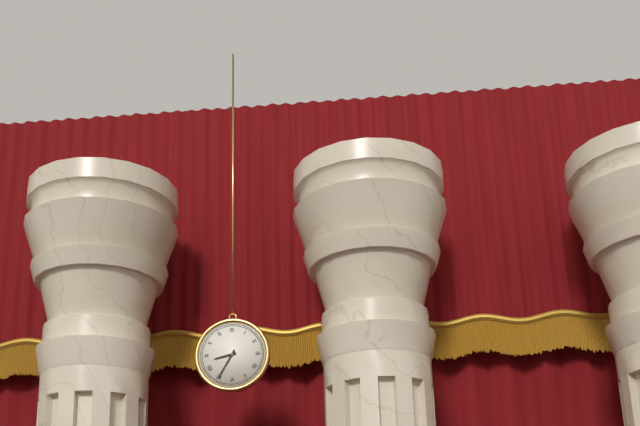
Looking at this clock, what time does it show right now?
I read 8:35
